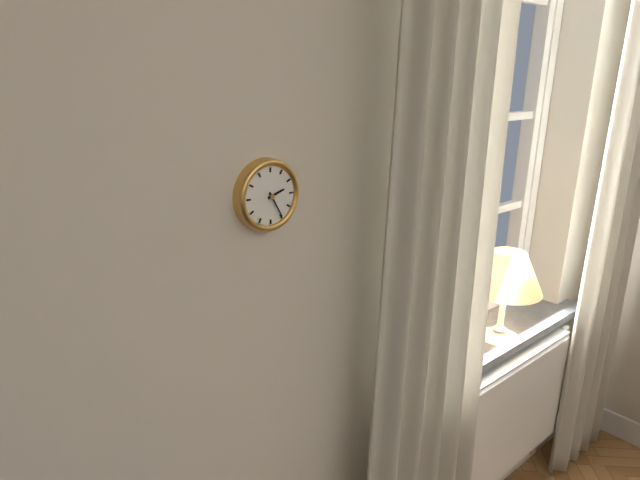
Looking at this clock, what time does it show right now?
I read 2:25
